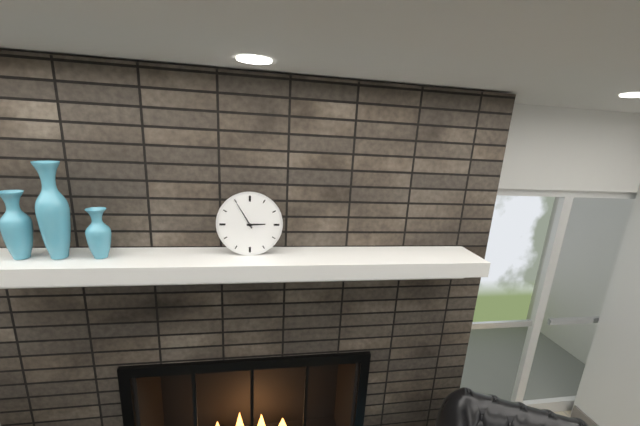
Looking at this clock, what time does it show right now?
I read 2:55
